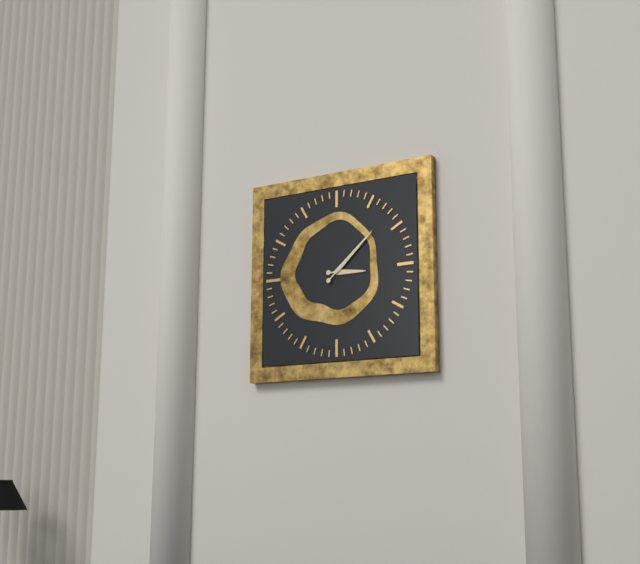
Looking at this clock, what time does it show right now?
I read 3:08
